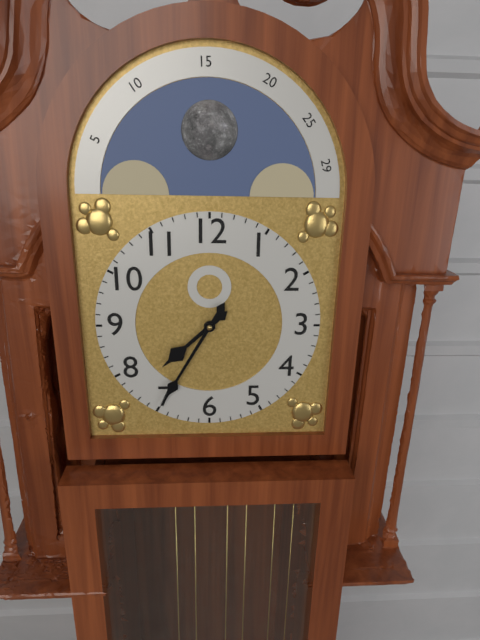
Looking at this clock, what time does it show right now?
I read 7:35
